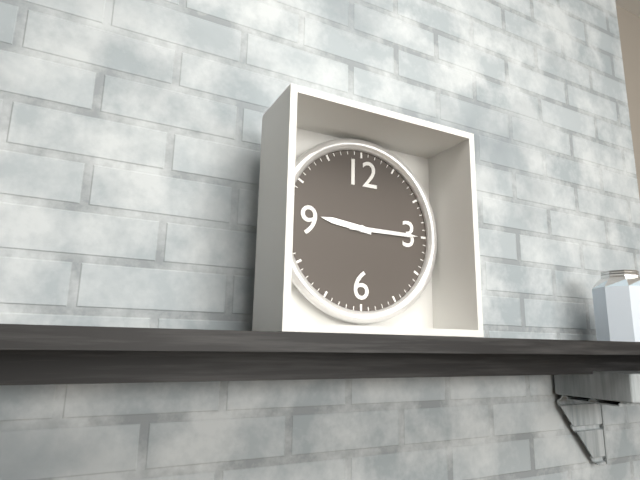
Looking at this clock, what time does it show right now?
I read 9:15
